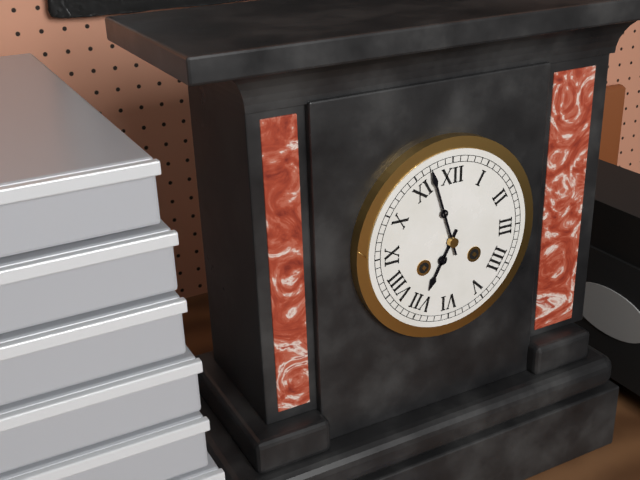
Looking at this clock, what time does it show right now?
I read 6:57
